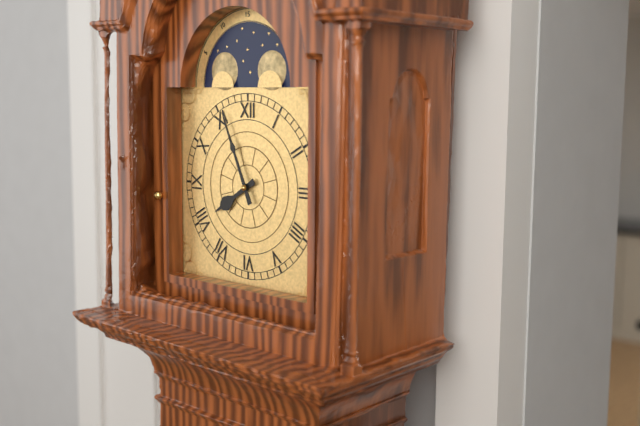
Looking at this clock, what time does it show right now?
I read 7:56
